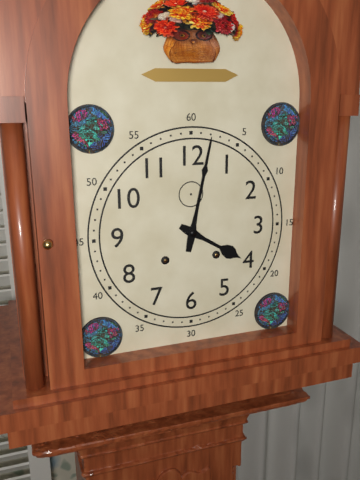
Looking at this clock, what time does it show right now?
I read 4:02
